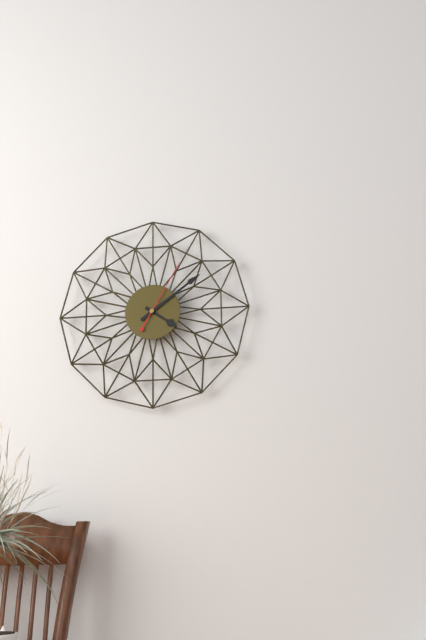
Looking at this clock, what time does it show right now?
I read 4:09:05
